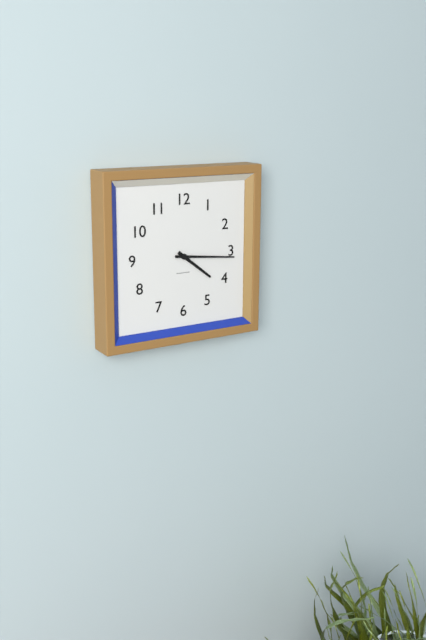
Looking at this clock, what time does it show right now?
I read 4:16
